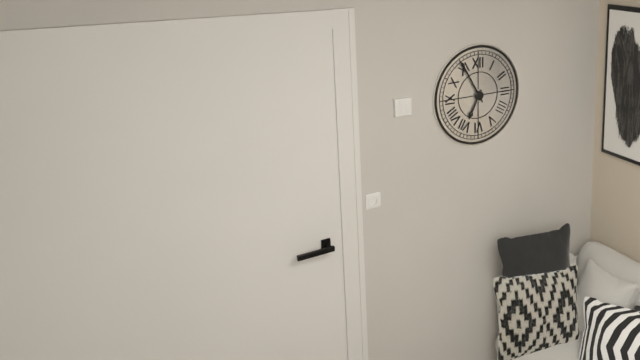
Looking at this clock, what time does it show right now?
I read 6:55
